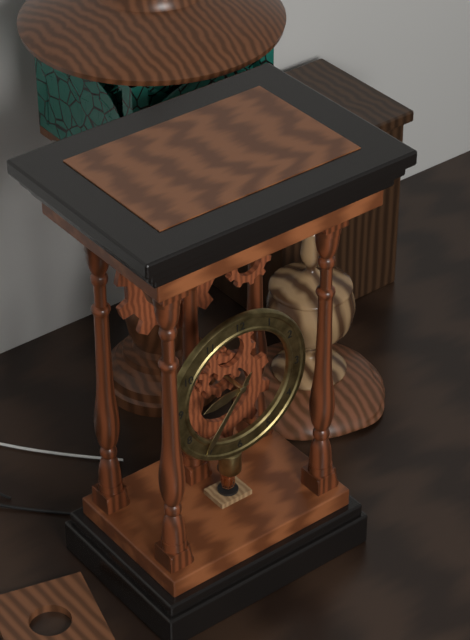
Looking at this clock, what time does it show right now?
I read 8:36
